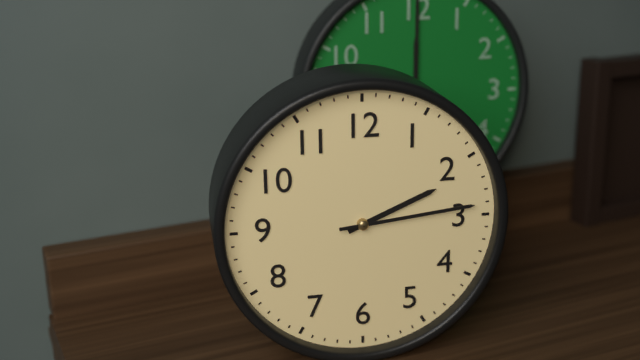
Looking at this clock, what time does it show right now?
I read 2:14
